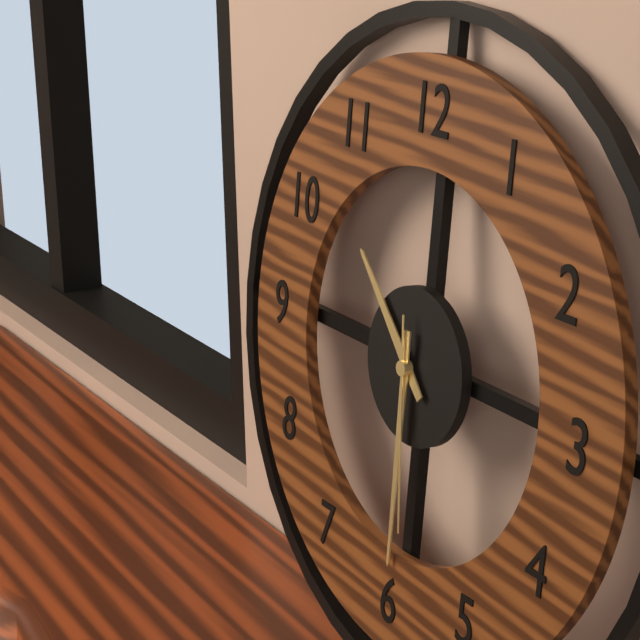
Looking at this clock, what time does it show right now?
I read 10:30:29
